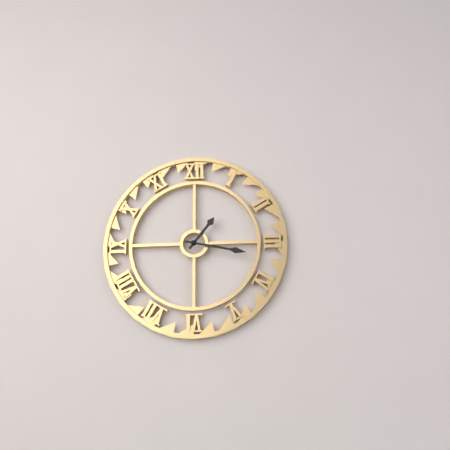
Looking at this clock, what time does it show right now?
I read 1:17
